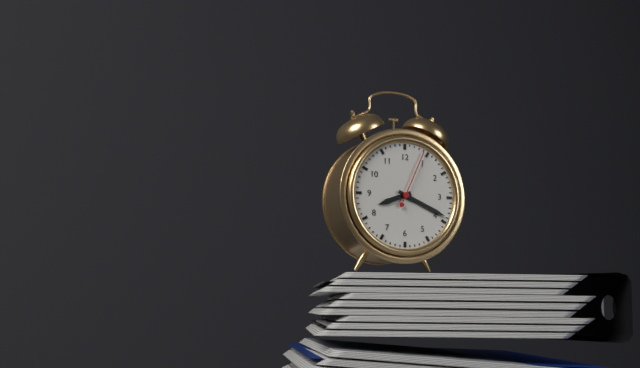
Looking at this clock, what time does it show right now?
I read 8:19:04
